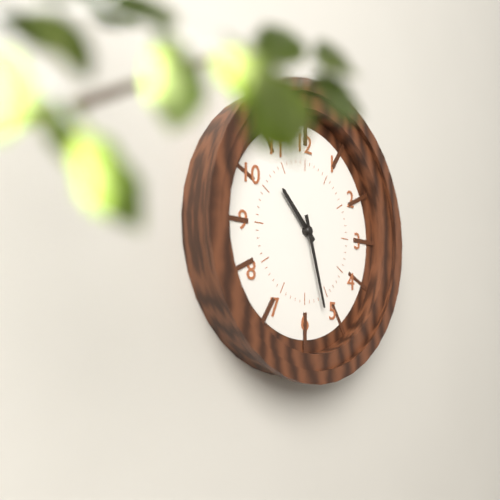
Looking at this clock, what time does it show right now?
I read 10:27
